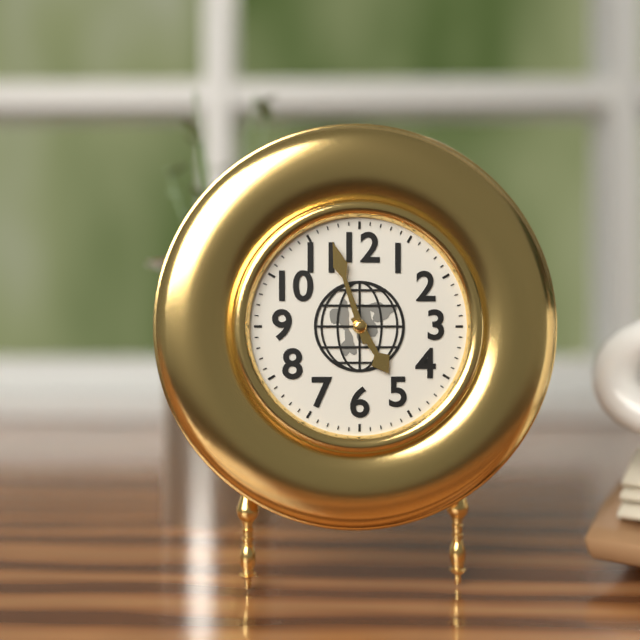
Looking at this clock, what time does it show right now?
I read 4:57
